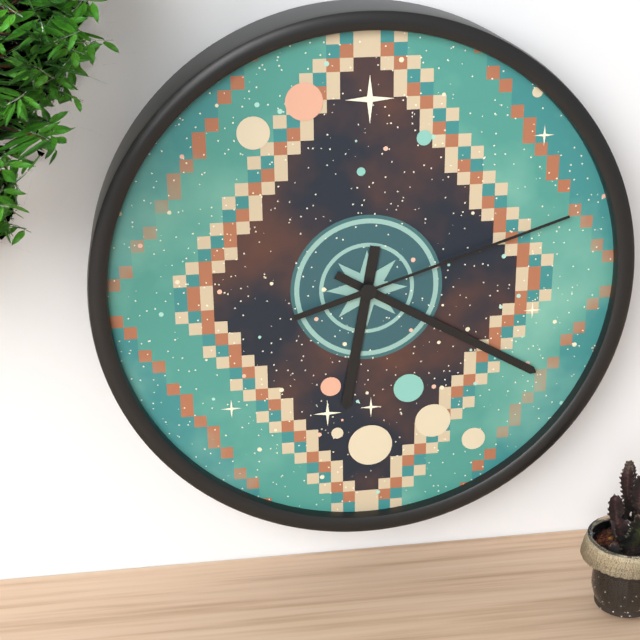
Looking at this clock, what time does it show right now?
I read 6:20:12
